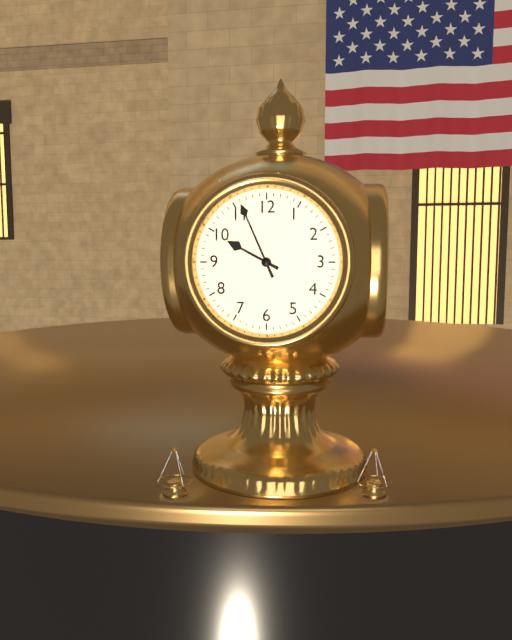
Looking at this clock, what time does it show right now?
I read 9:56
